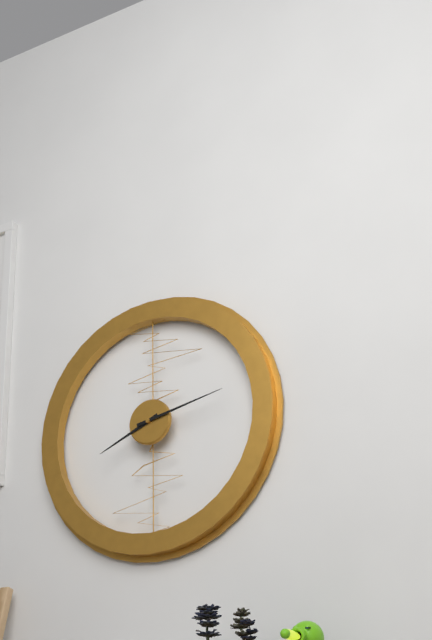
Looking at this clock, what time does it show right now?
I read 8:13
